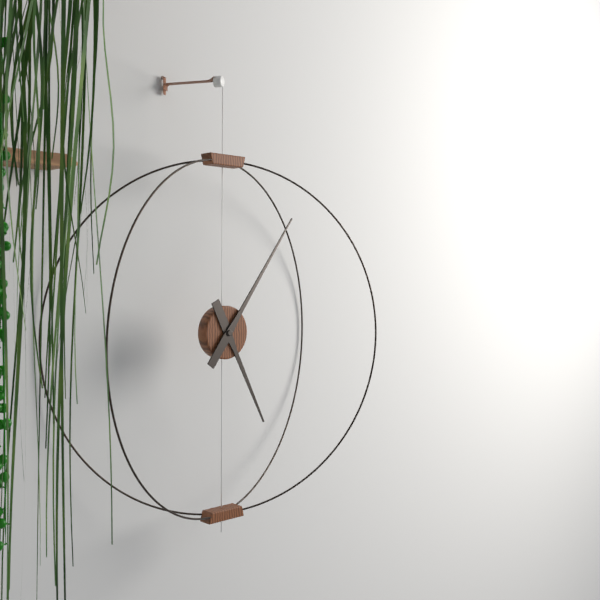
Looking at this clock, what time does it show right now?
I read 5:06
